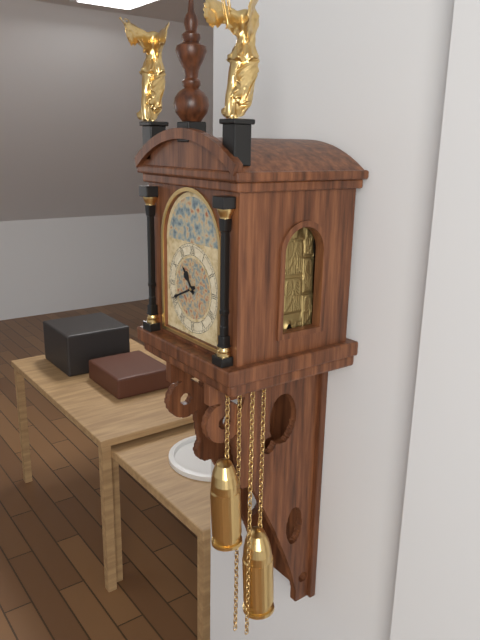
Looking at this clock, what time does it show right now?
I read 10:41
